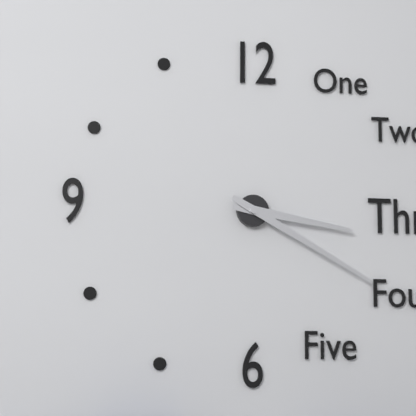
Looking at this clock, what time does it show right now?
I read 3:20
